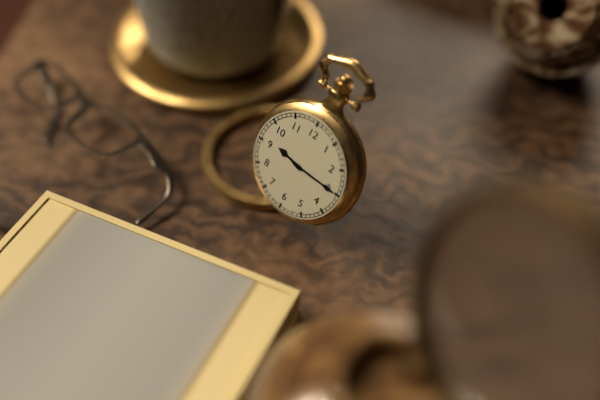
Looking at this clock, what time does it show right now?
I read 9:15
